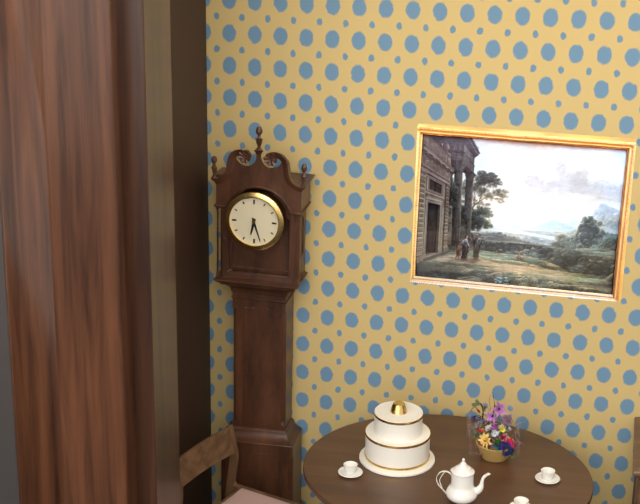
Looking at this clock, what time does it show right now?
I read 6:27
